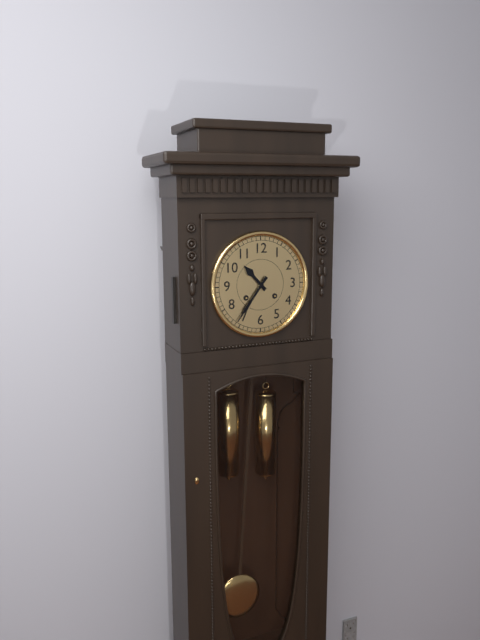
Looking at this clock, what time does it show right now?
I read 10:36
